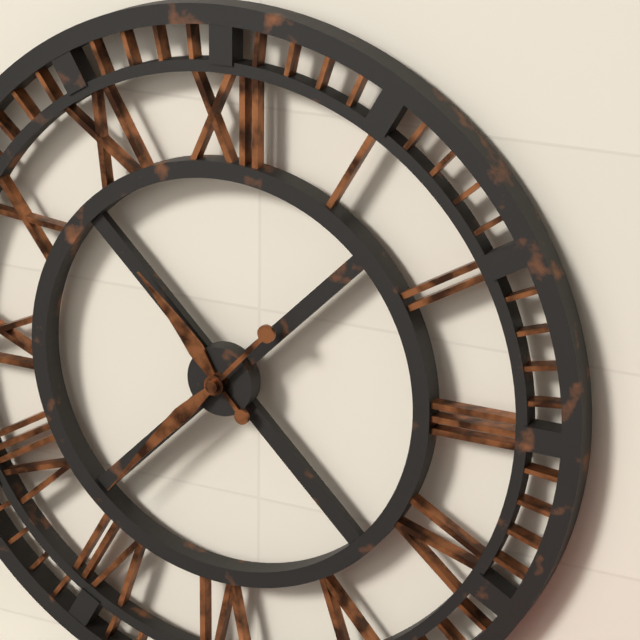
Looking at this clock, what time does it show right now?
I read 10:37
